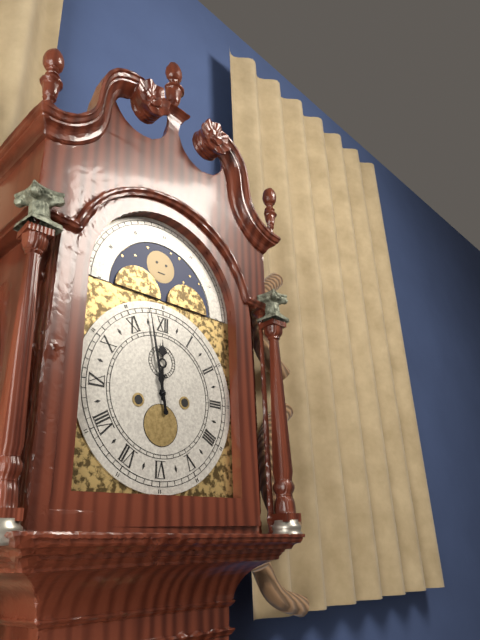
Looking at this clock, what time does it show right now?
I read 11:58
